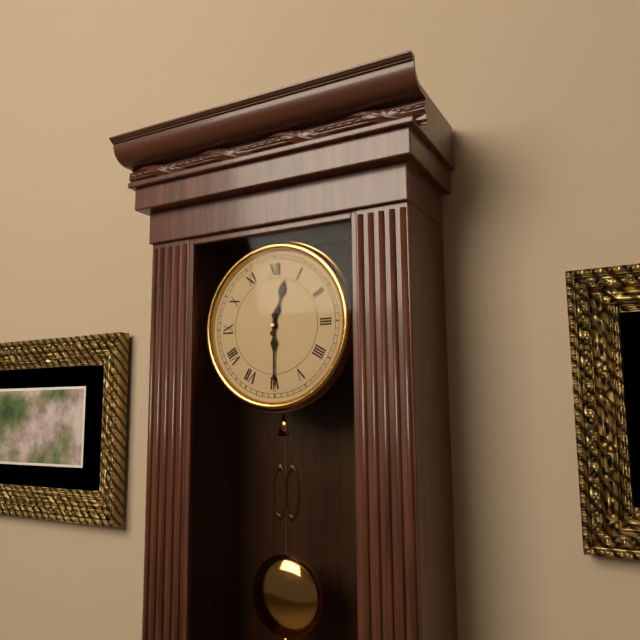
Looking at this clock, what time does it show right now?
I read 12:30
